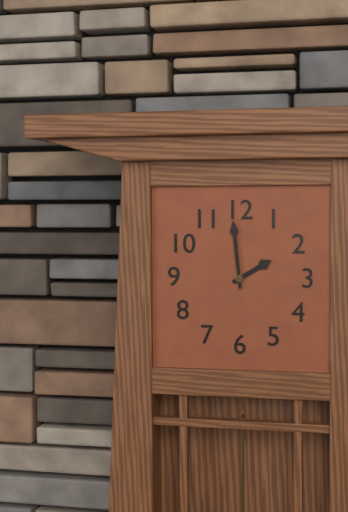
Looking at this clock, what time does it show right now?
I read 1:59
